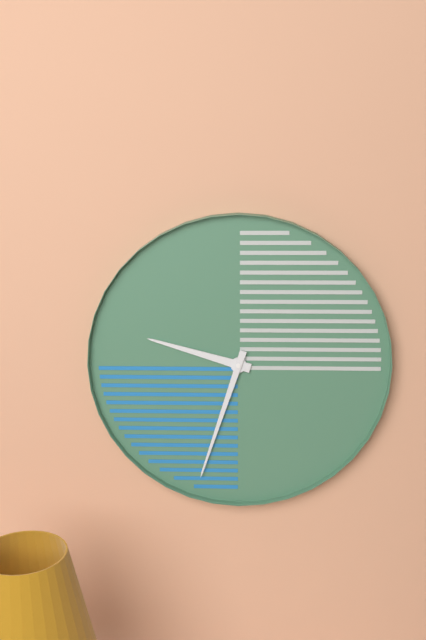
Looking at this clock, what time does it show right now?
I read 9:33
